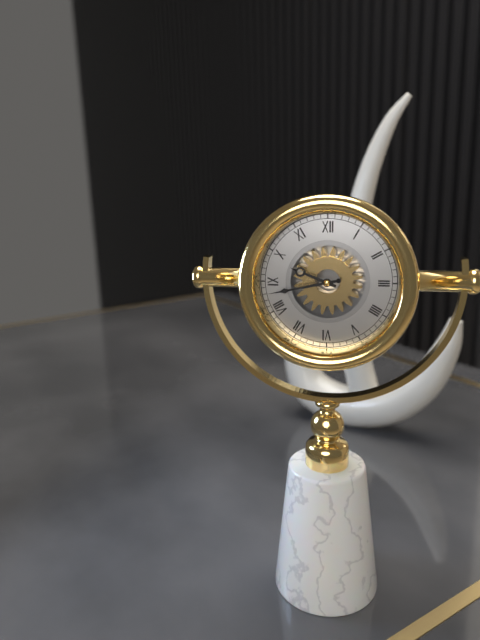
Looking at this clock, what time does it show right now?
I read 9:43
